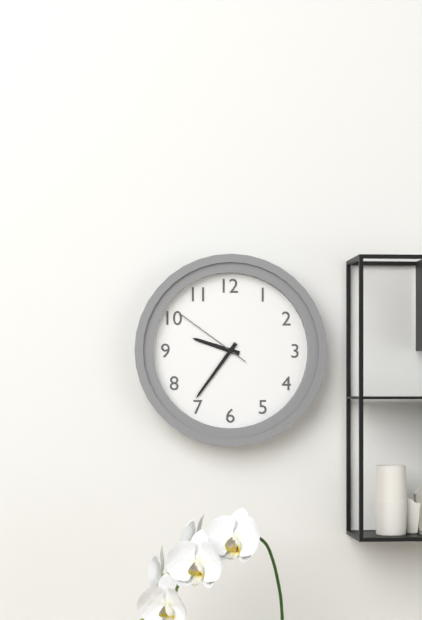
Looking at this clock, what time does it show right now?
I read 9:36:51
